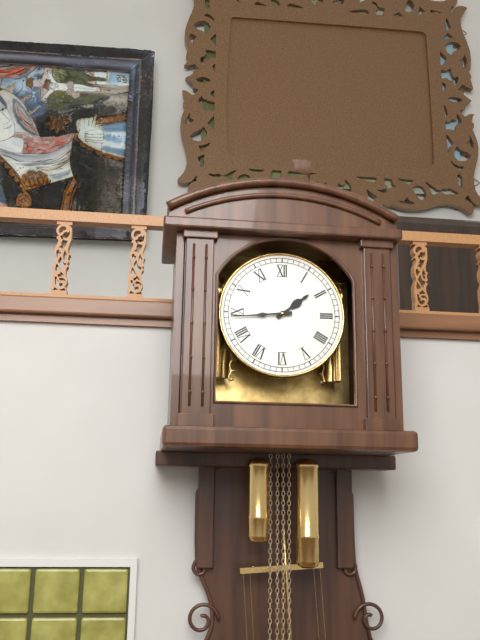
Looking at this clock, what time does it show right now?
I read 1:44
